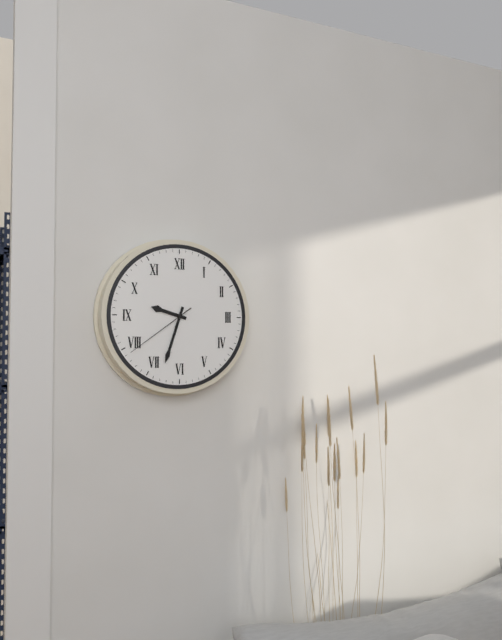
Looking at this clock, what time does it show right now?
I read 9:33:39
